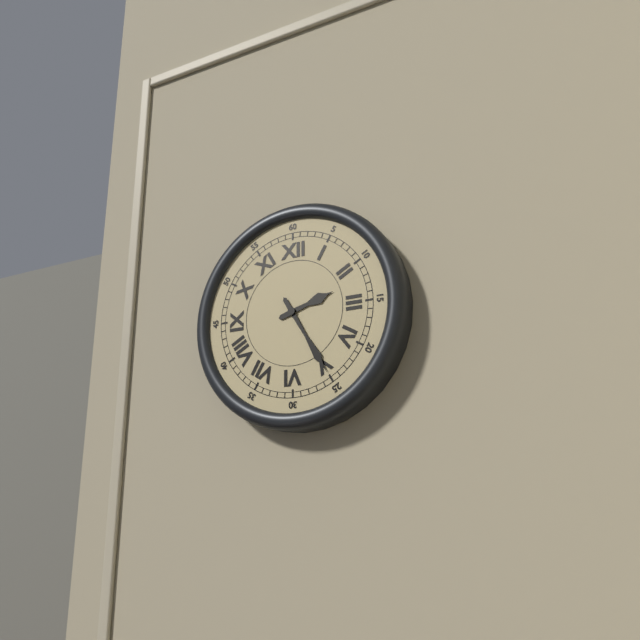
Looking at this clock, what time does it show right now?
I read 2:25
